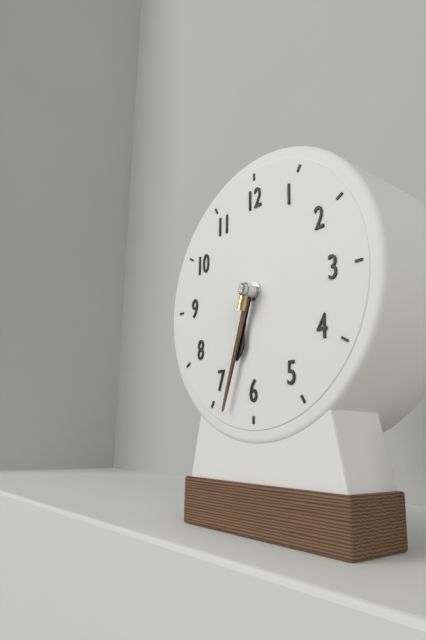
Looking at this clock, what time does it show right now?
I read 6:33
